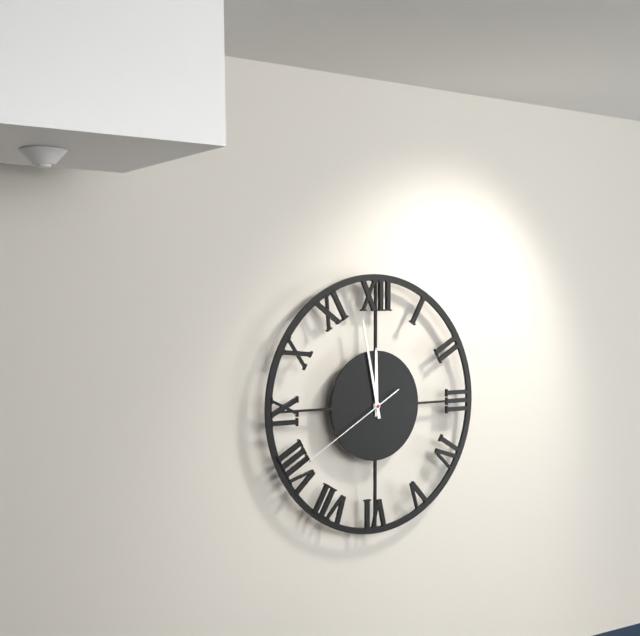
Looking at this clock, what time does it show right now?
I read 11:58:40
